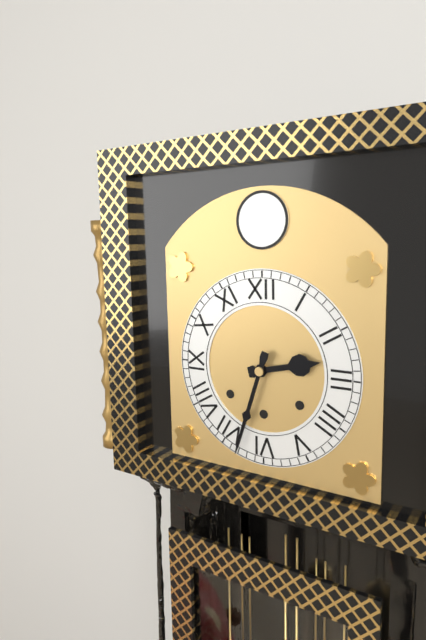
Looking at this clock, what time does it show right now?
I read 2:33
